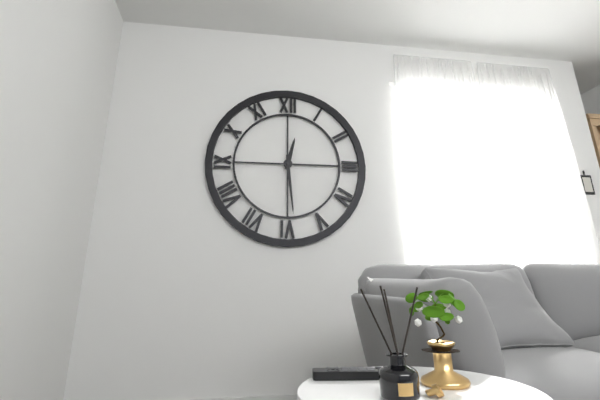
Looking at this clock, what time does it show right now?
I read 12:29
